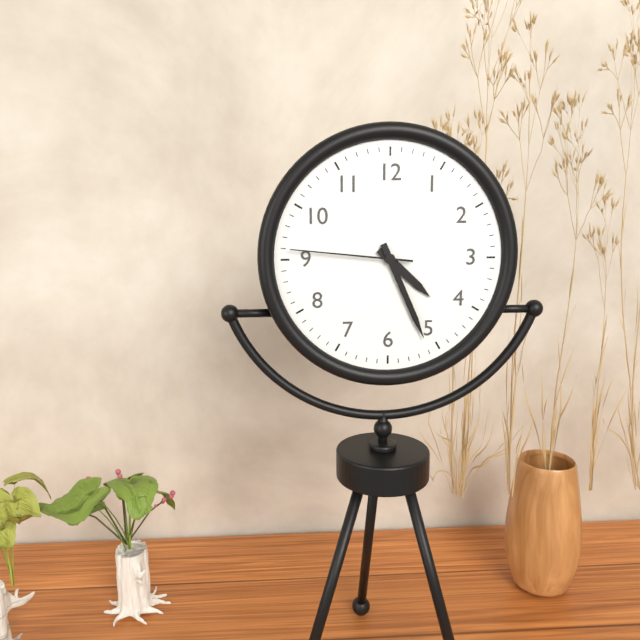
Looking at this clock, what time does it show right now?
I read 4:26:46
